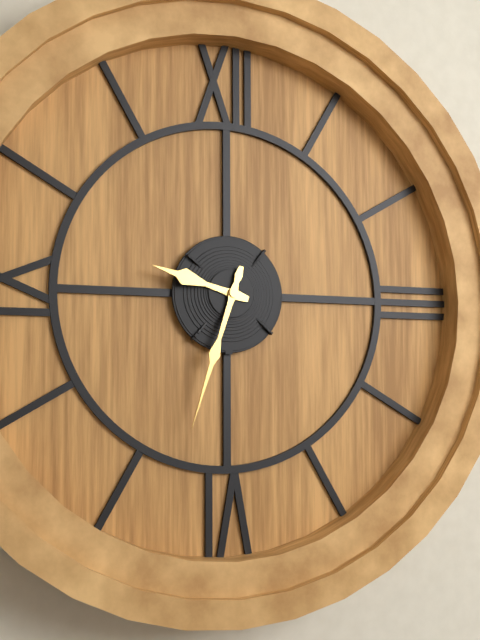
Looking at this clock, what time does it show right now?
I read 9:33
